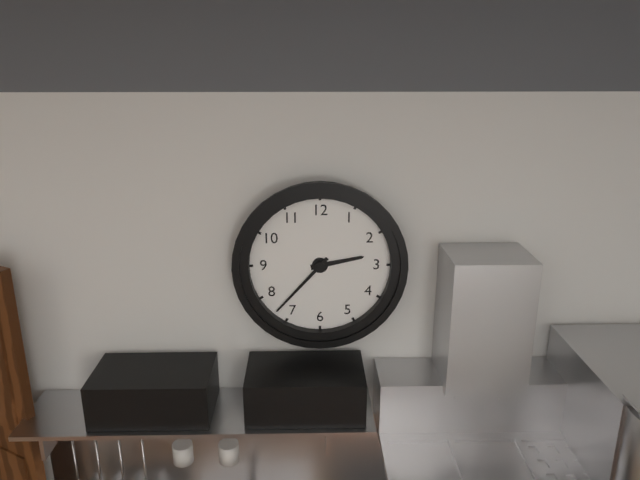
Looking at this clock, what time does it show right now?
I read 2:37
